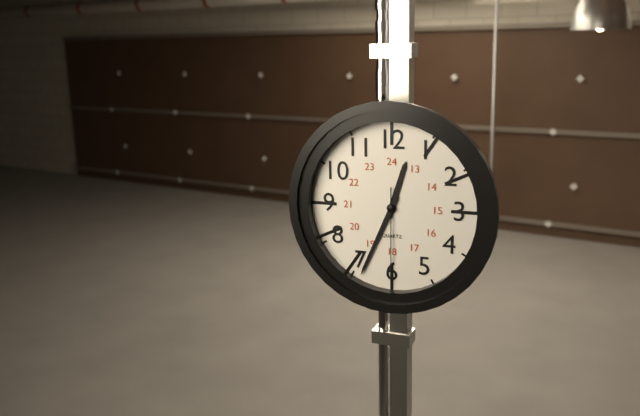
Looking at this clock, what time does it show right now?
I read 12:34:30
